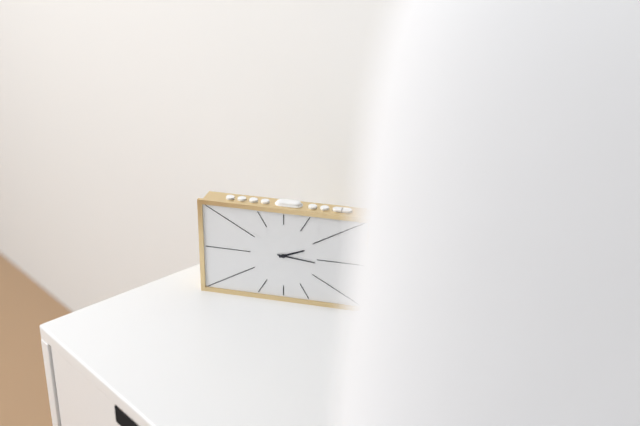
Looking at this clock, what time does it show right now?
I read 2:16
